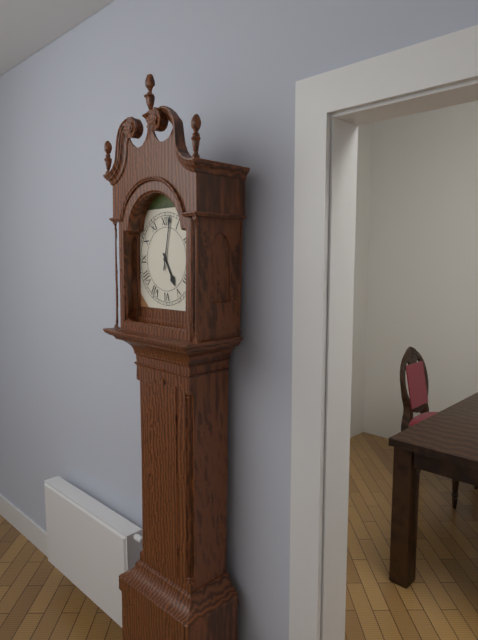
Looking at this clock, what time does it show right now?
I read 5:02
